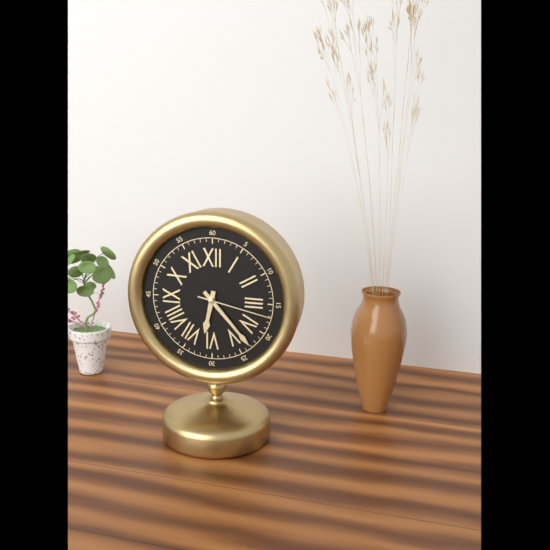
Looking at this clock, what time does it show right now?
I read 6:23:17
